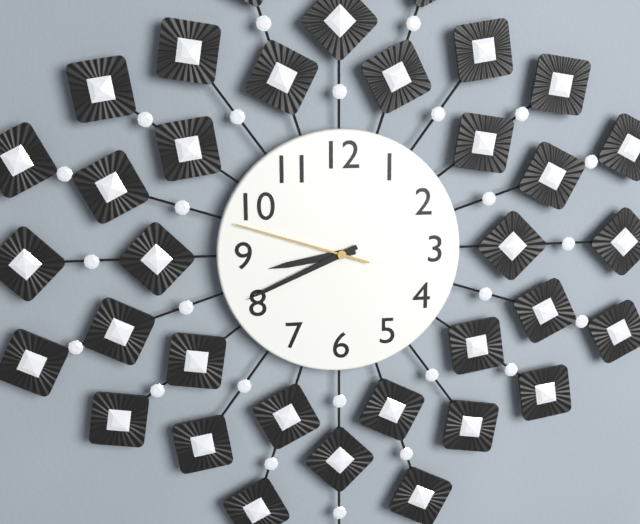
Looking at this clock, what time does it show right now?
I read 8:41:48
